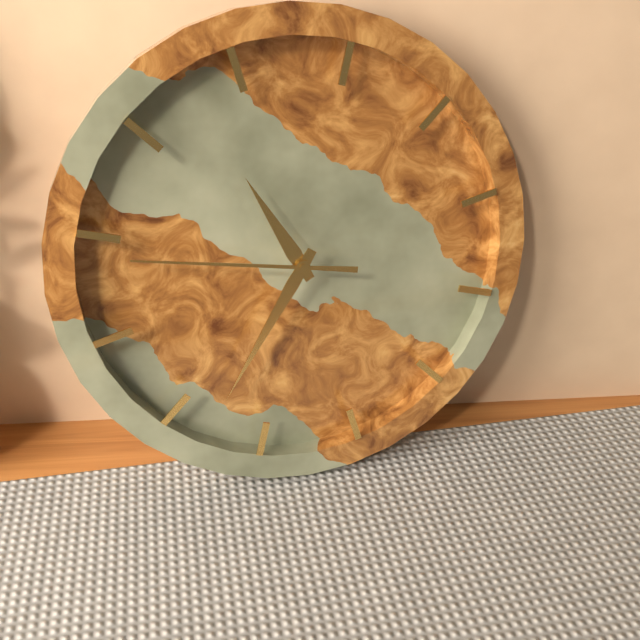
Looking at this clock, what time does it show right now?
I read 10:33:44
